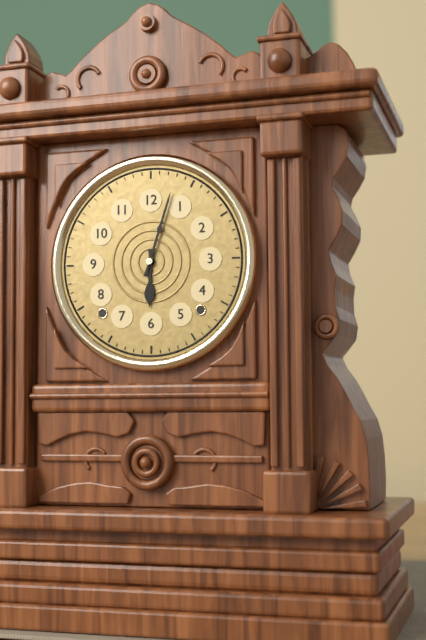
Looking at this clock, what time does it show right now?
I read 6:03
